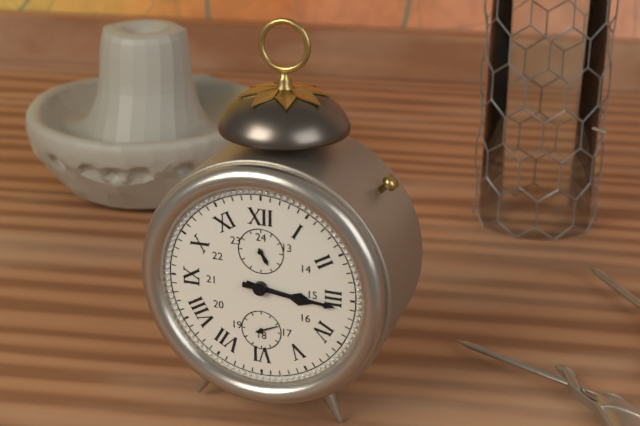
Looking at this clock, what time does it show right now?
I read 3:16
